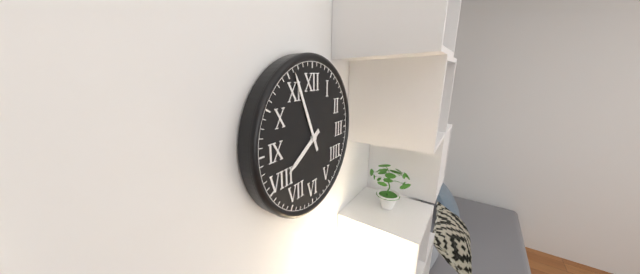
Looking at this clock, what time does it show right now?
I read 7:56
